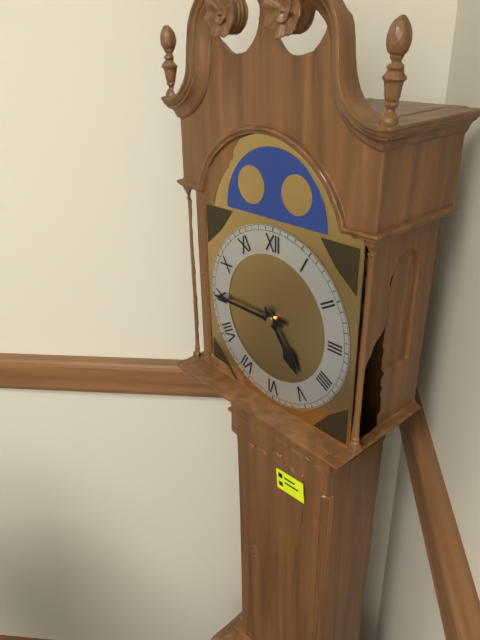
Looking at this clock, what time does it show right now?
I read 4:45
